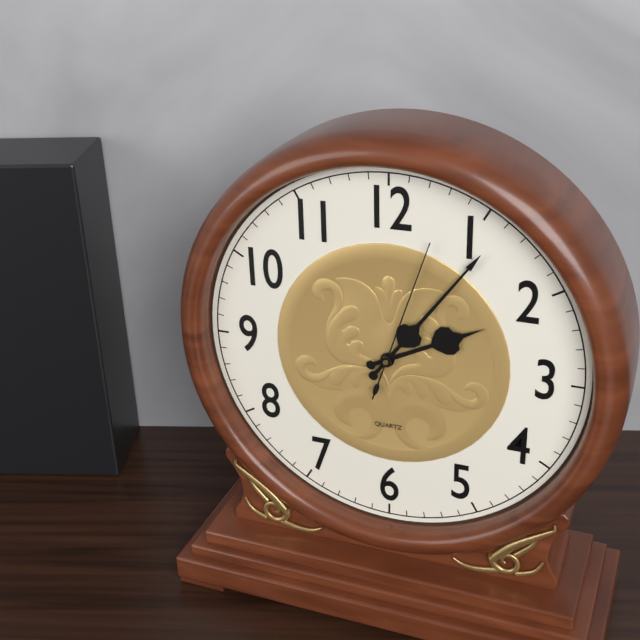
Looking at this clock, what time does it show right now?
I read 2:06:03
